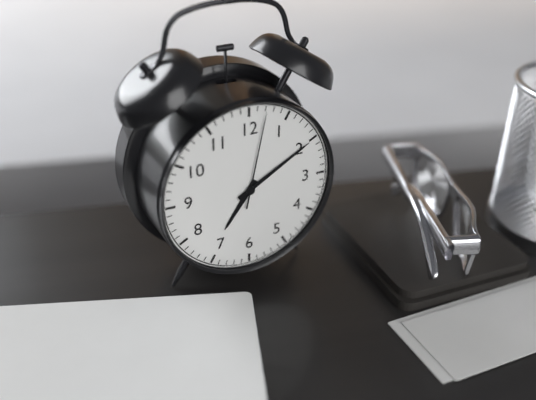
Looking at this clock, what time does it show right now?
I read 7:10:02
